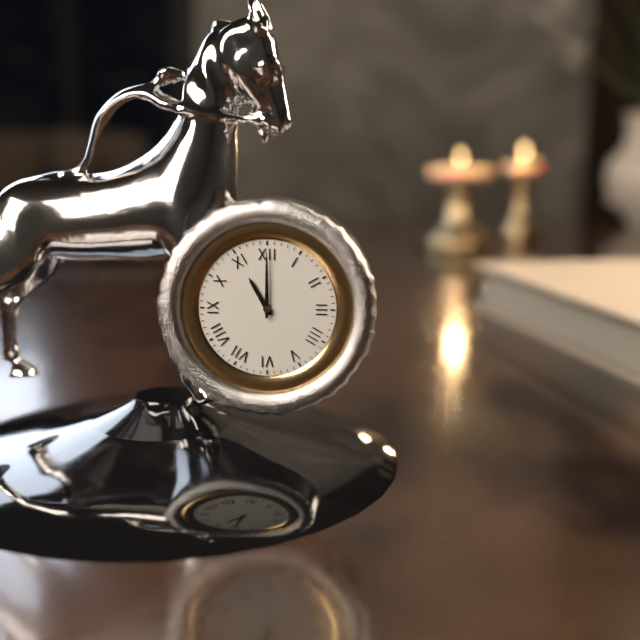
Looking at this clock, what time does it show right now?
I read 11:00
